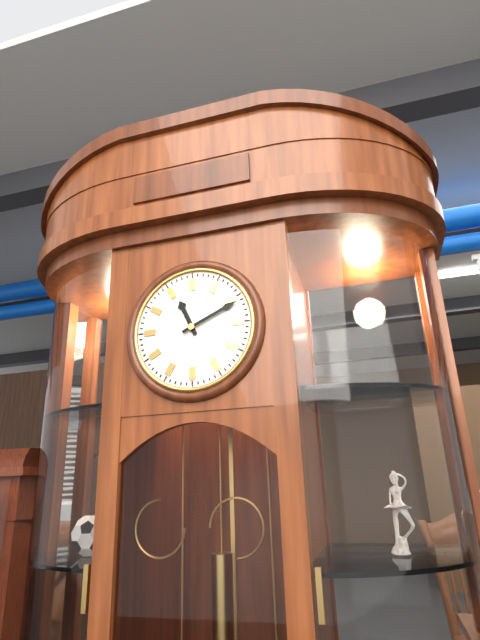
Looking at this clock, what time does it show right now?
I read 11:11
